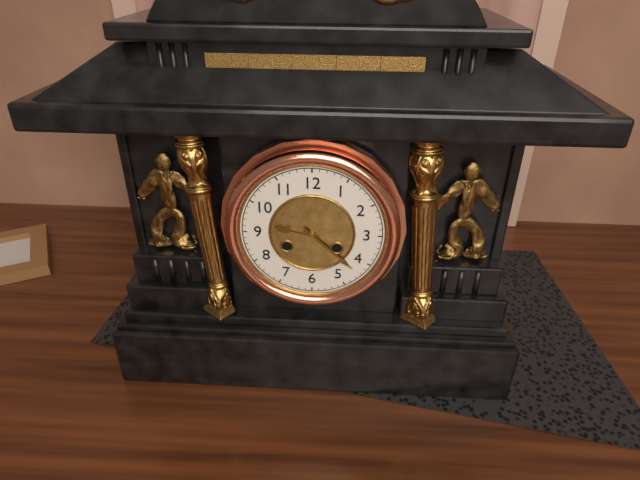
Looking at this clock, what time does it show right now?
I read 9:22
